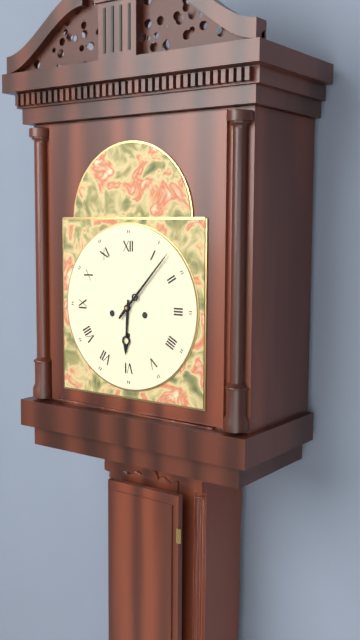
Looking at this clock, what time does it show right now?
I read 6:07
